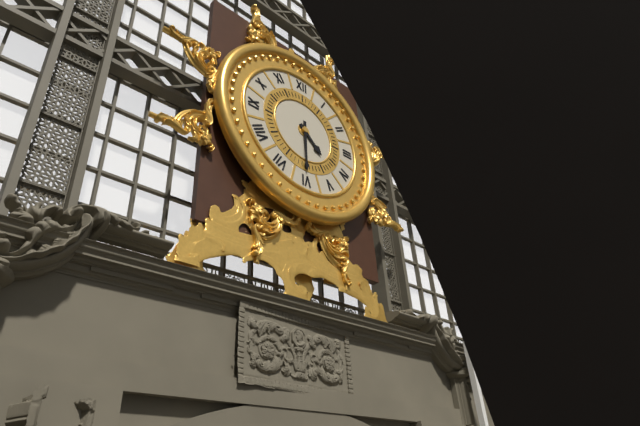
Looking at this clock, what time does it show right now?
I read 4:30
